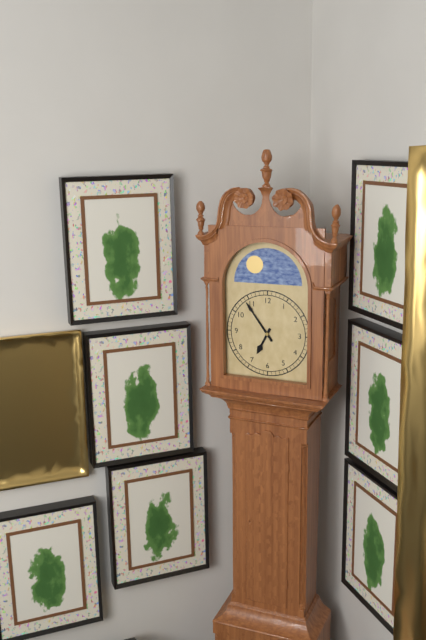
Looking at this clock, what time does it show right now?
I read 6:54
